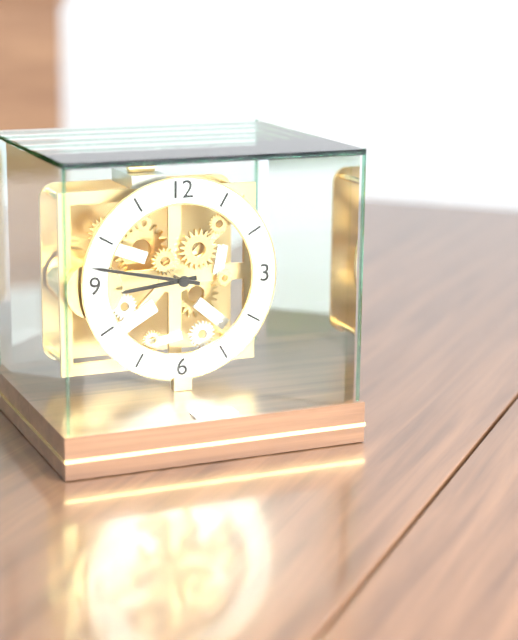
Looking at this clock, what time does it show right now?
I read 8:47
